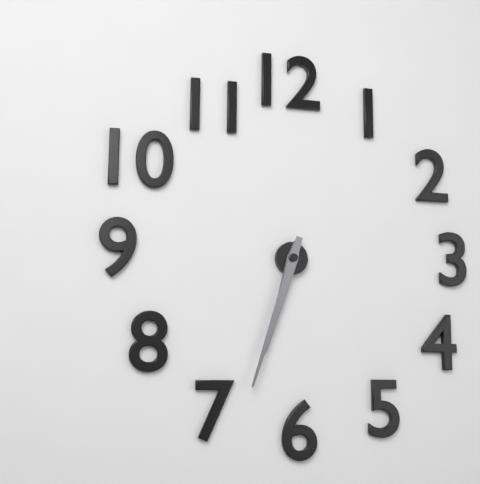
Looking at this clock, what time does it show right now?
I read 6:33
